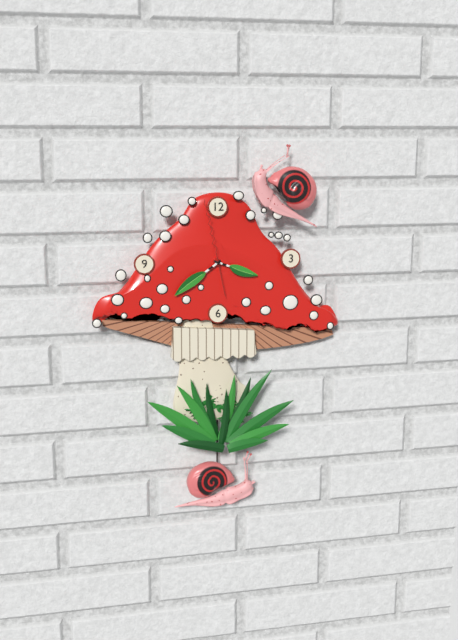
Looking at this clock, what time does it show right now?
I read 3:39:58
